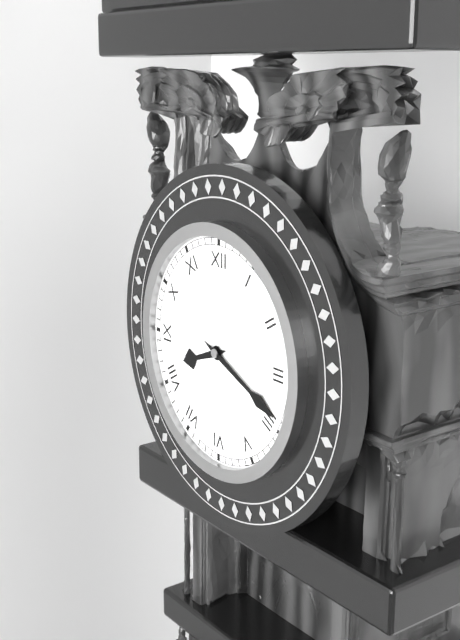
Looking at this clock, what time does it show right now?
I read 8:19
